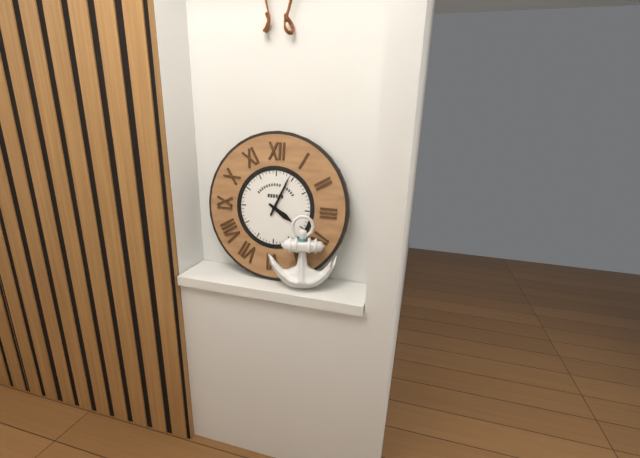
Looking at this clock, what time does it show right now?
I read 4:04
